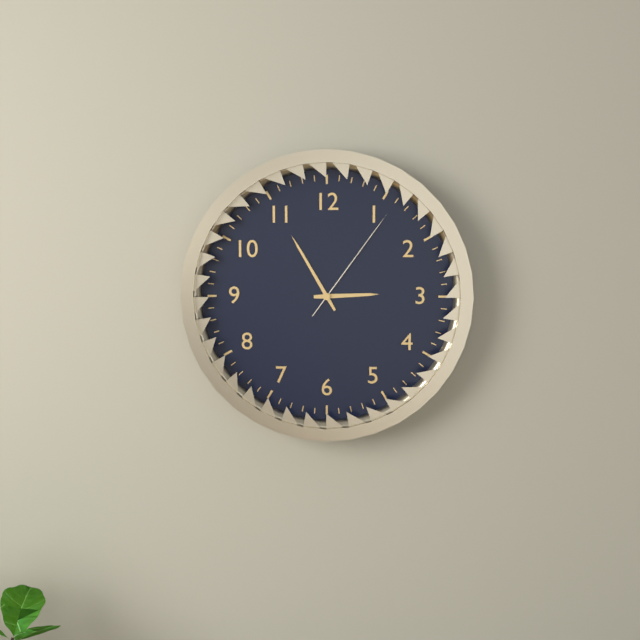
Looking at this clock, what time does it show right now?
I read 2:55:06
